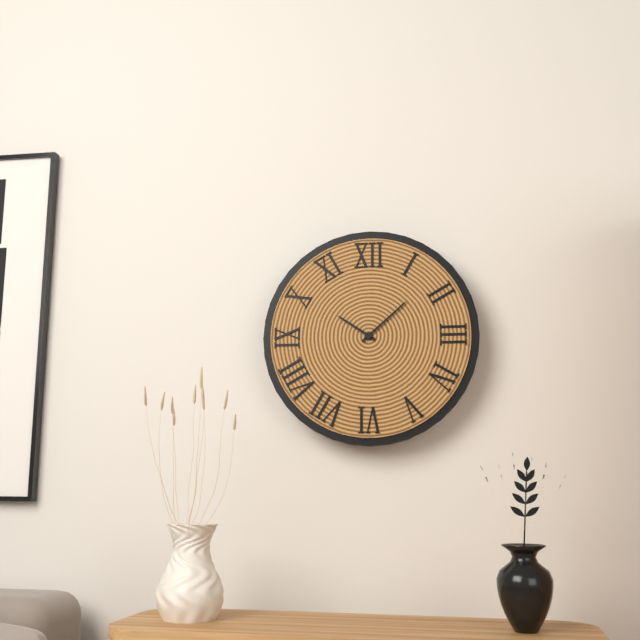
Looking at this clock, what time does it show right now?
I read 10:08
